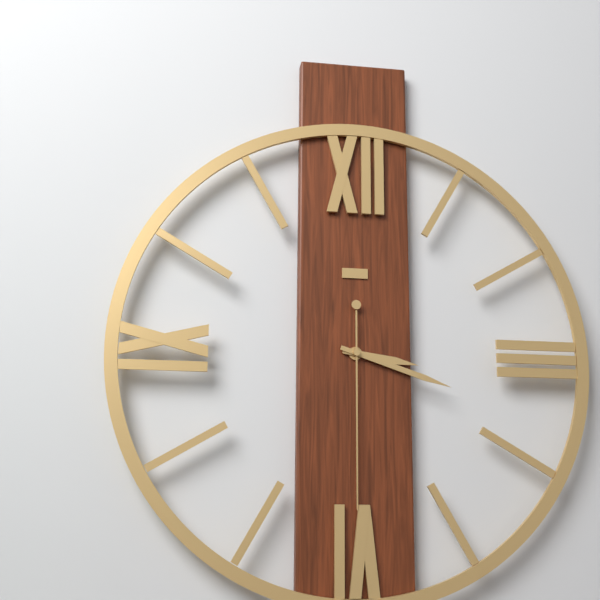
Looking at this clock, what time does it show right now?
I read 3:18:30
